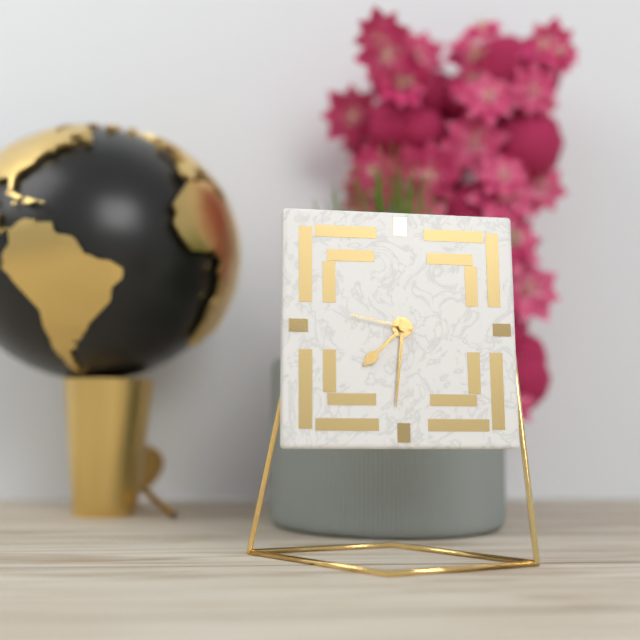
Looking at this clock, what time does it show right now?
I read 7:31:47
